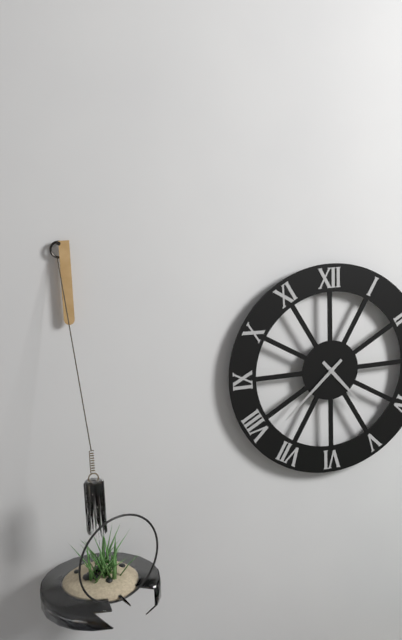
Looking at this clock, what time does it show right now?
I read 4:38
